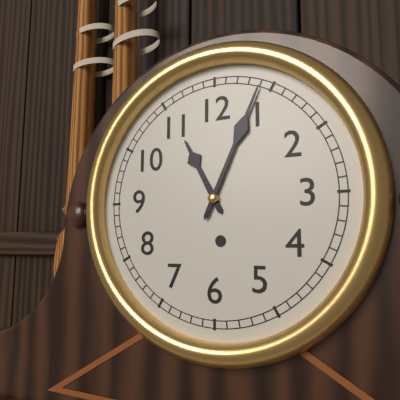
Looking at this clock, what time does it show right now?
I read 11:04
